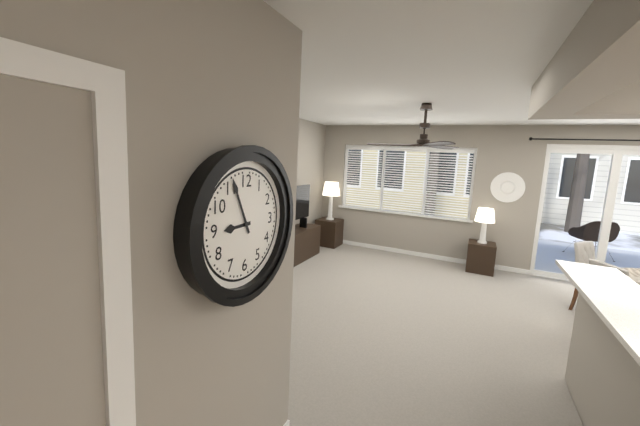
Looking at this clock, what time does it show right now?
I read 8:56
